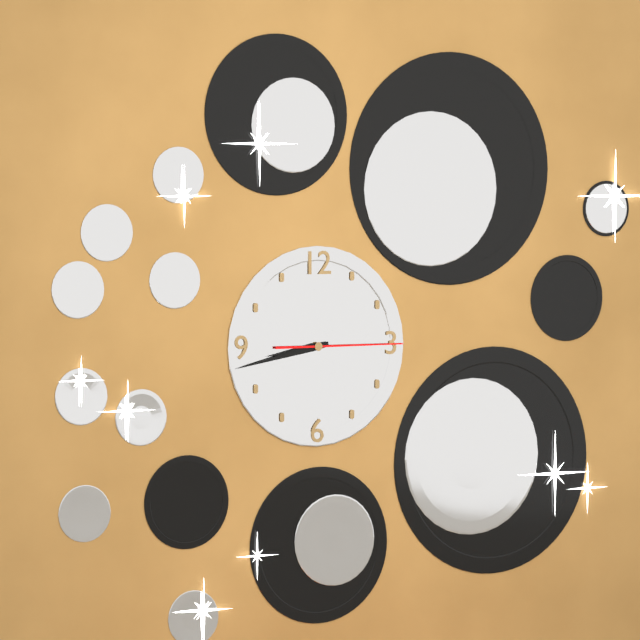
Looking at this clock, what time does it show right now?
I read 8:43:15
